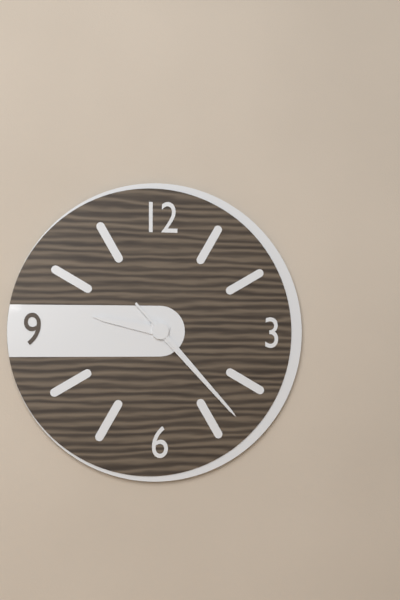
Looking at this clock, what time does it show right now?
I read 9:23:23
